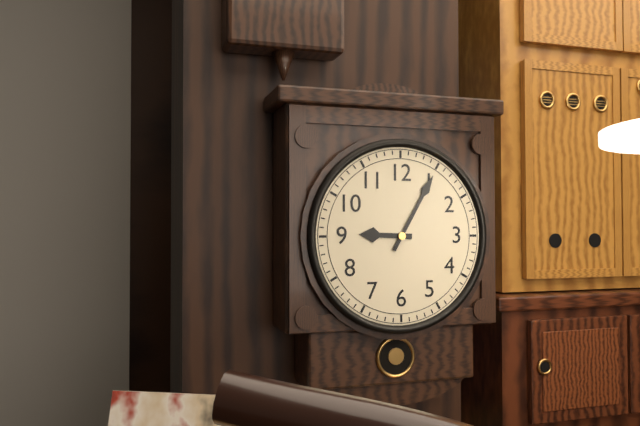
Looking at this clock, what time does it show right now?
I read 9:05
